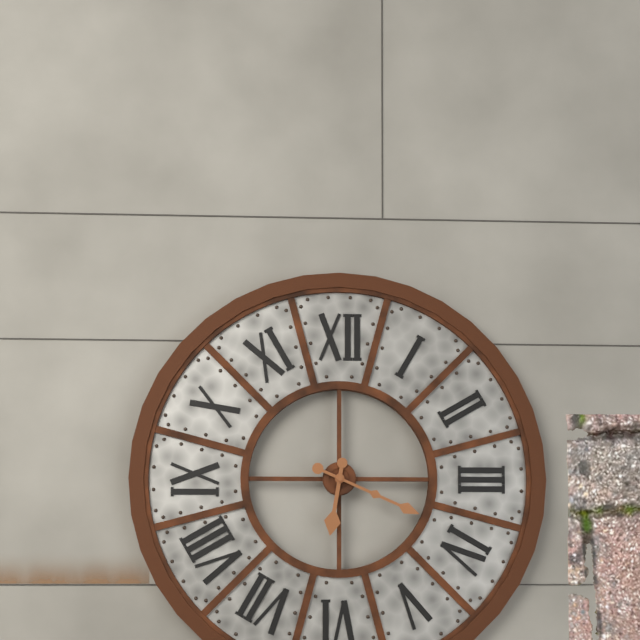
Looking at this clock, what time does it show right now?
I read 6:19
